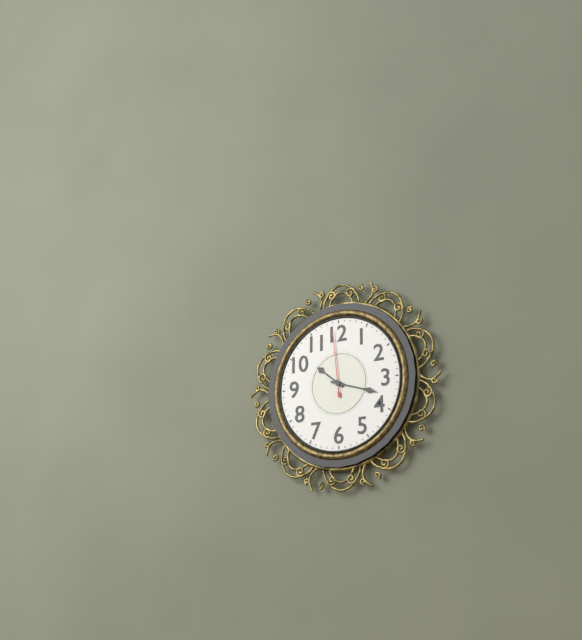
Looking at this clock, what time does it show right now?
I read 10:18:59
